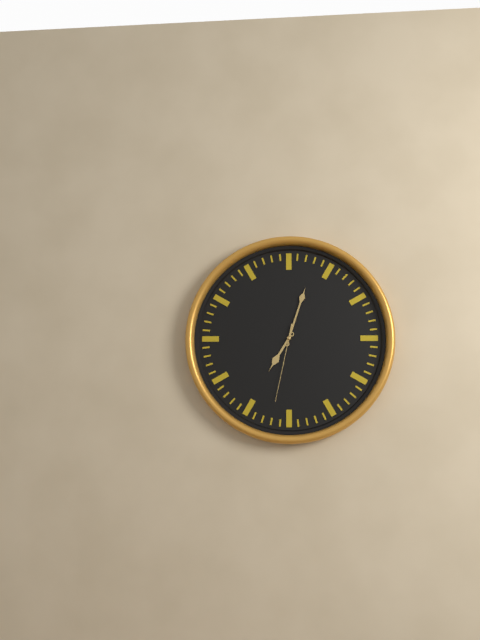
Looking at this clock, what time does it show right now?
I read 7:03:32
